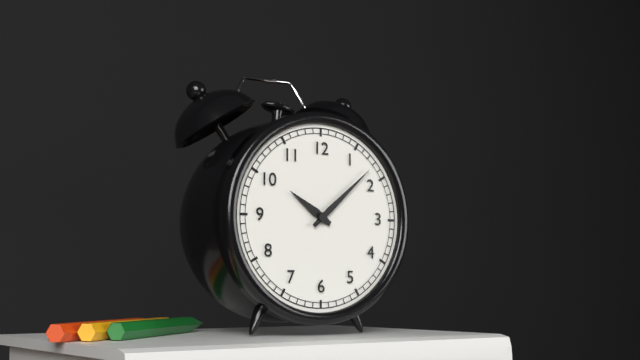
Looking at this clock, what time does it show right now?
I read 10:08
